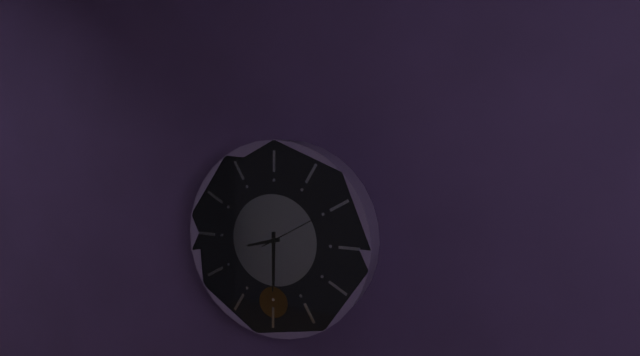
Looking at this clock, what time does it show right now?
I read 8:30
